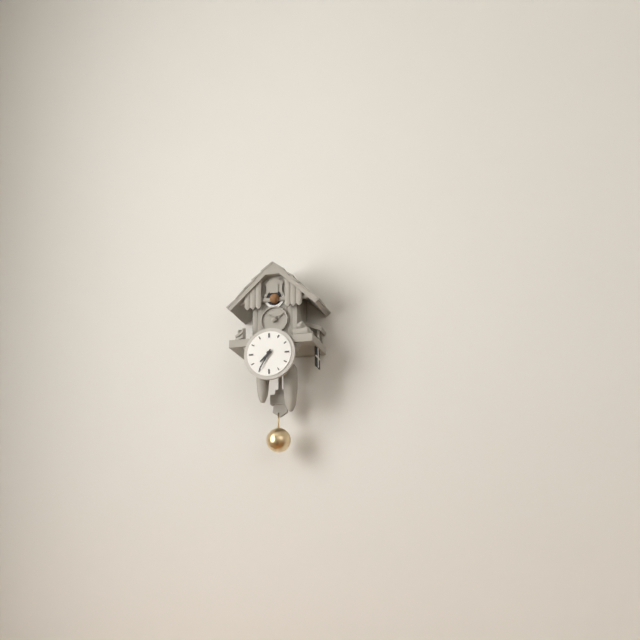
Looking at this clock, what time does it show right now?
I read 7:35
